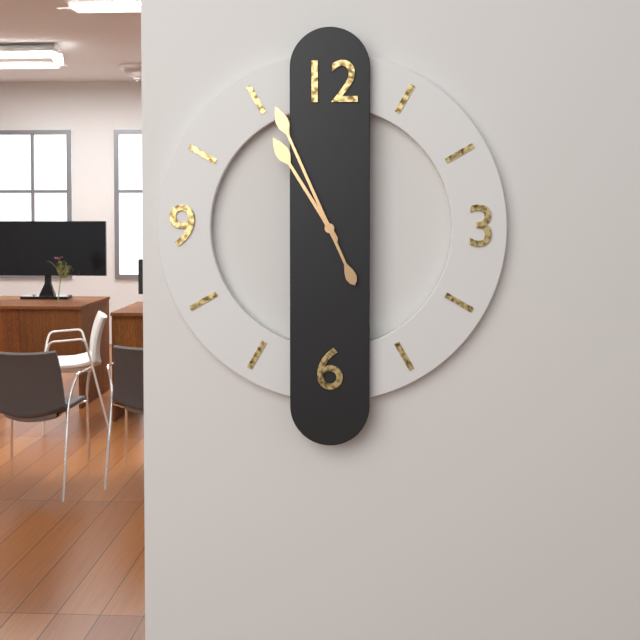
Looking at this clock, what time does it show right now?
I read 10:56
